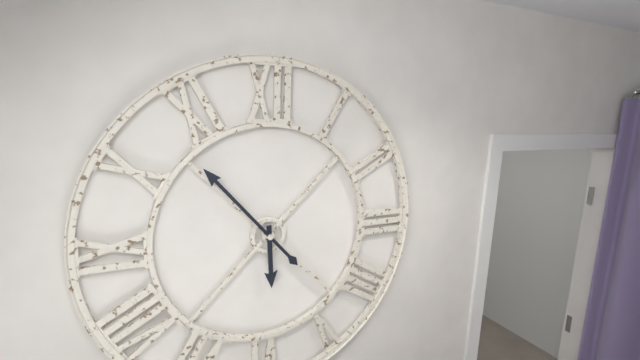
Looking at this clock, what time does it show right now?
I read 5:53
